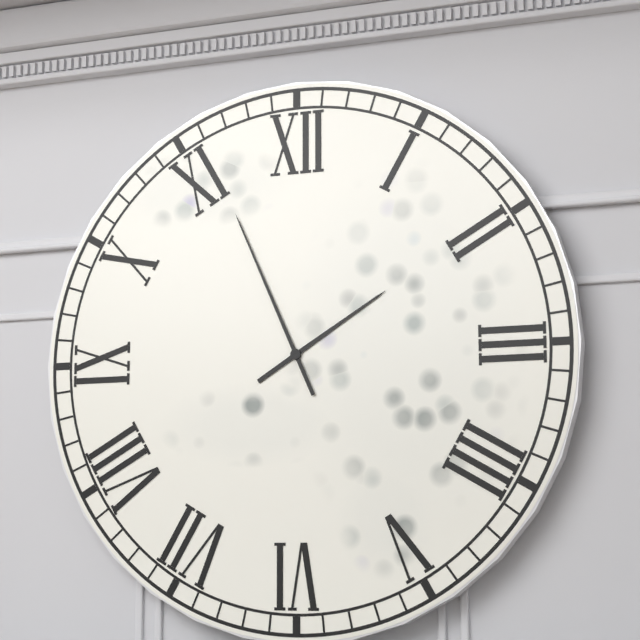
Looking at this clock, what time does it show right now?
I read 1:56
